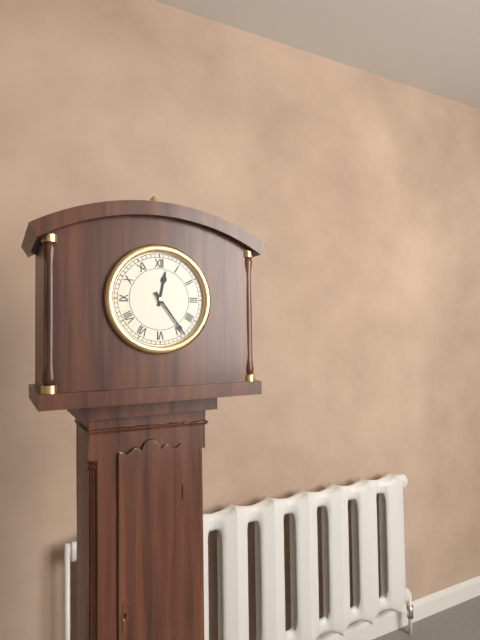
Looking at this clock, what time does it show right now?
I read 12:24
